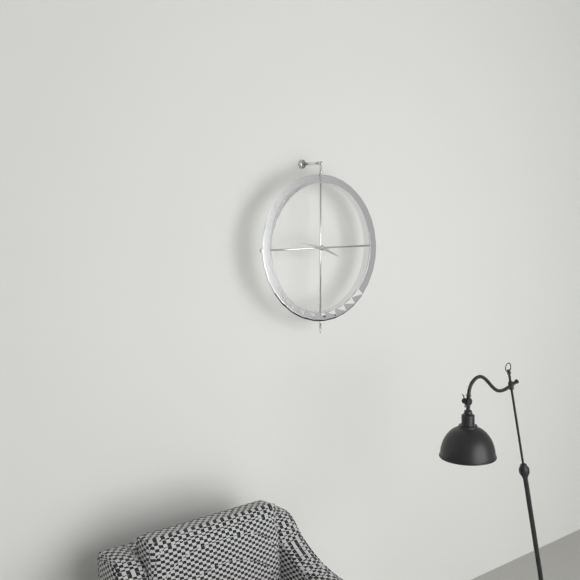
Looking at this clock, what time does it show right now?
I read 3:47
